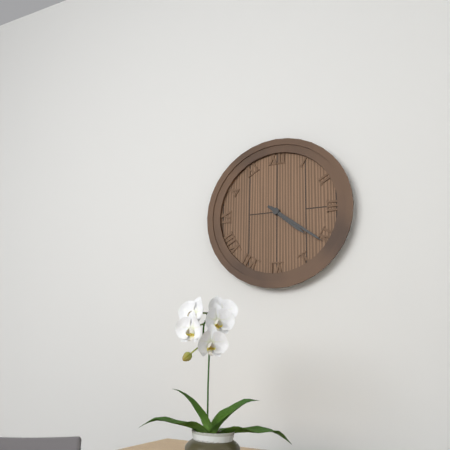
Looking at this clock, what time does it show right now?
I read 4:21
